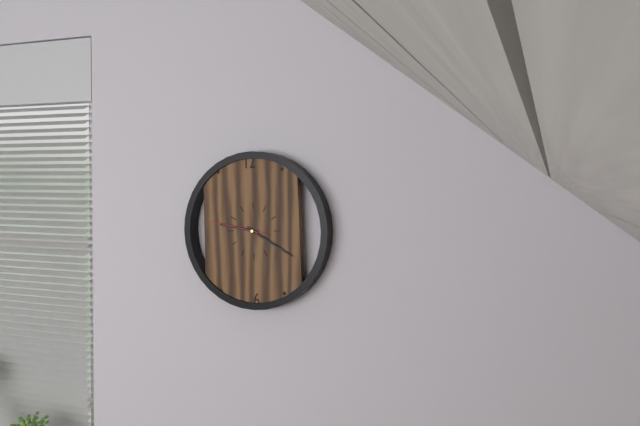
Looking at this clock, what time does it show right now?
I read 9:20:47
